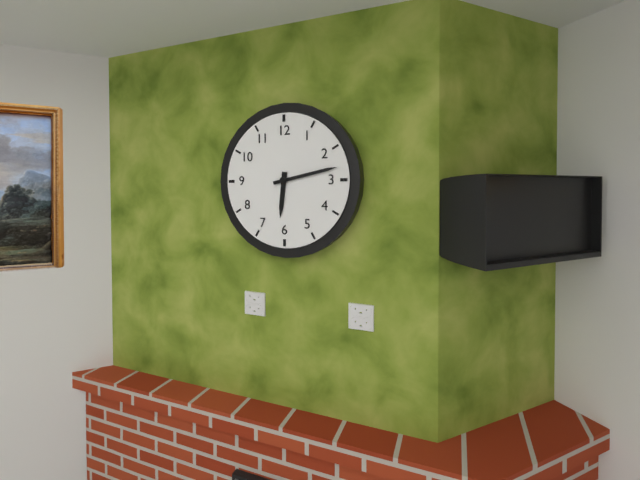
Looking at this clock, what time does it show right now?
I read 6:13
